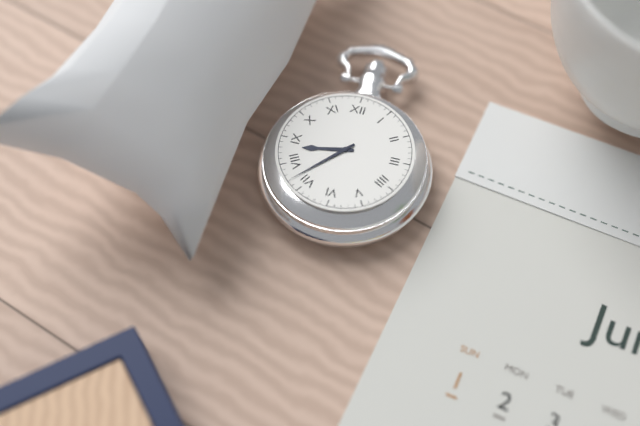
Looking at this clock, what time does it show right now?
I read 8:37
